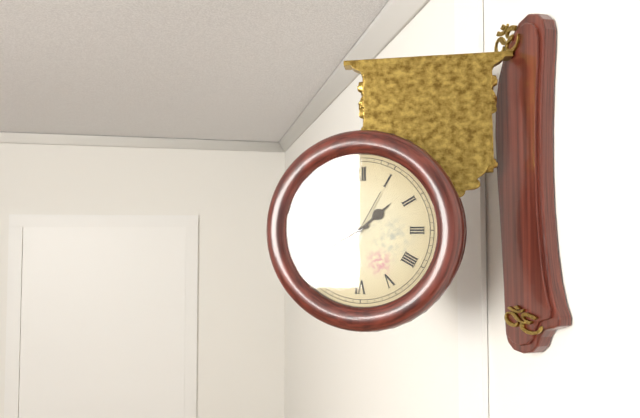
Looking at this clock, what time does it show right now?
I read 1:40:05
